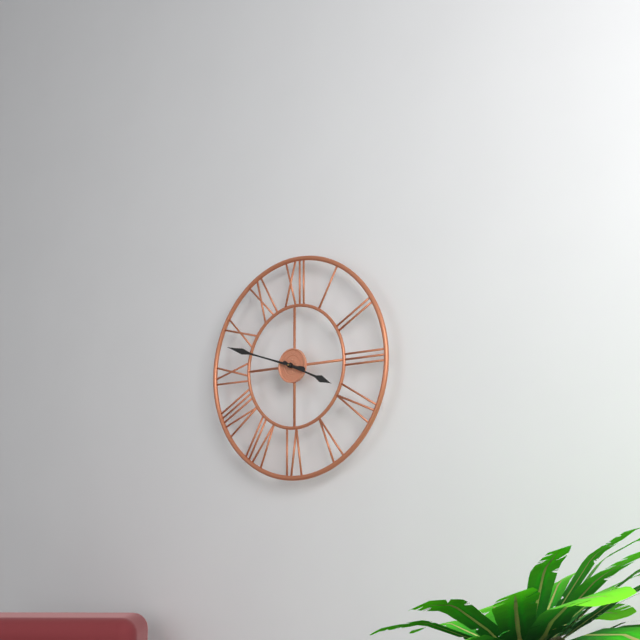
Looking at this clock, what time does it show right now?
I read 3:48
